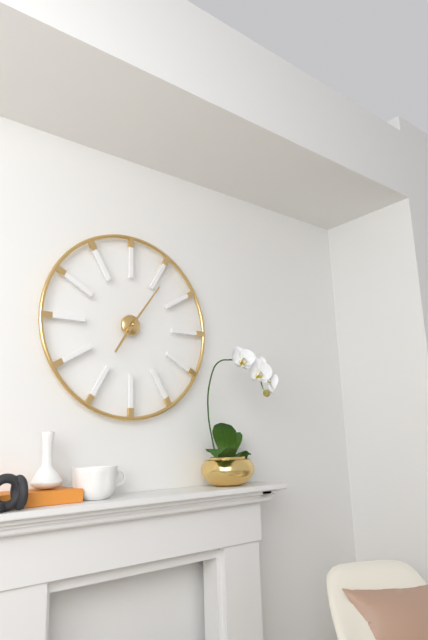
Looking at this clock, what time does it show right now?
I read 7:06
